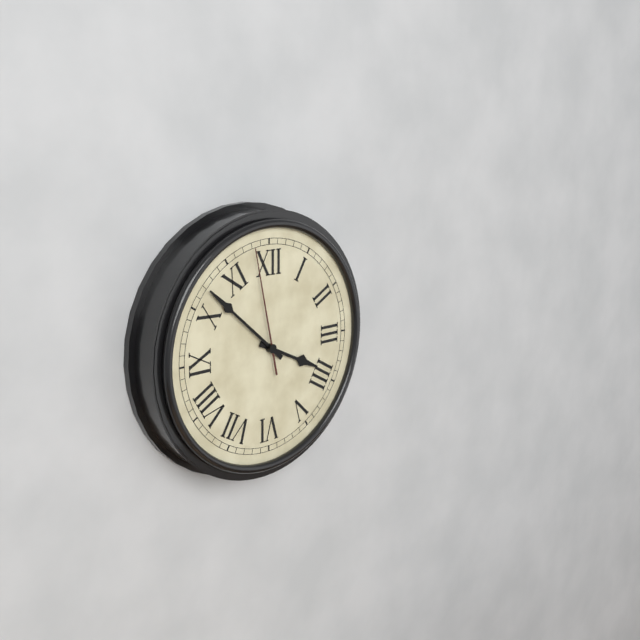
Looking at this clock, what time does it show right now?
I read 3:52:58
